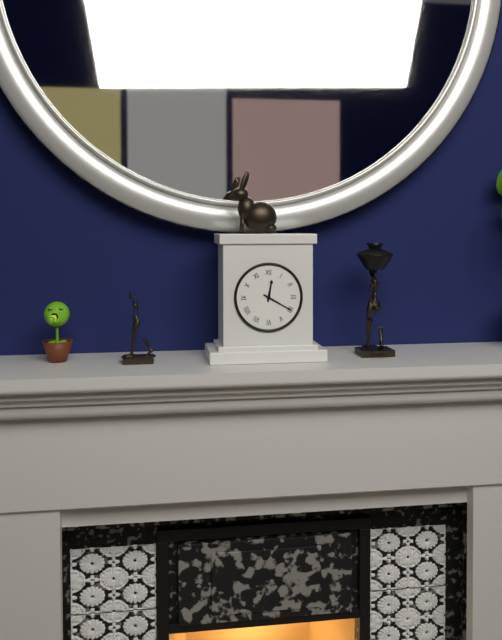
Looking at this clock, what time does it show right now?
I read 12:20
